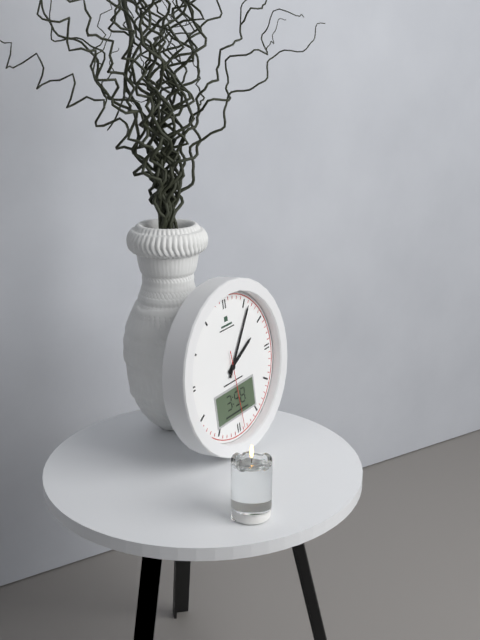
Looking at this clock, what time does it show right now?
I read 2:06:29
